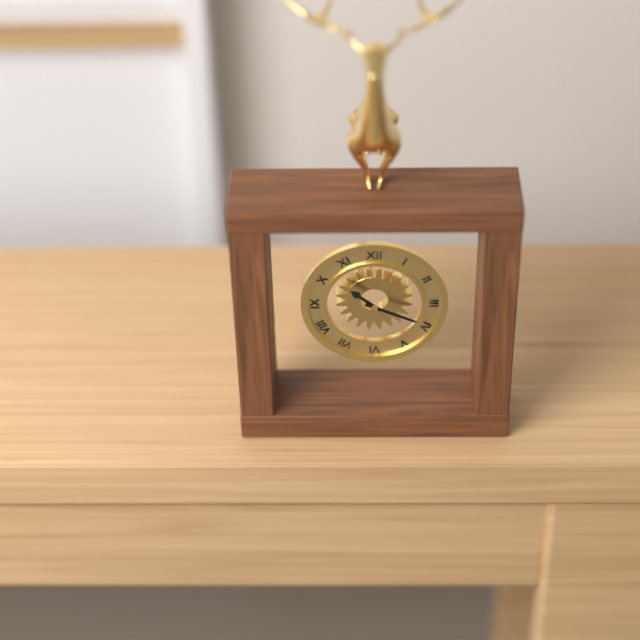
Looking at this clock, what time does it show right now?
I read 10:19
